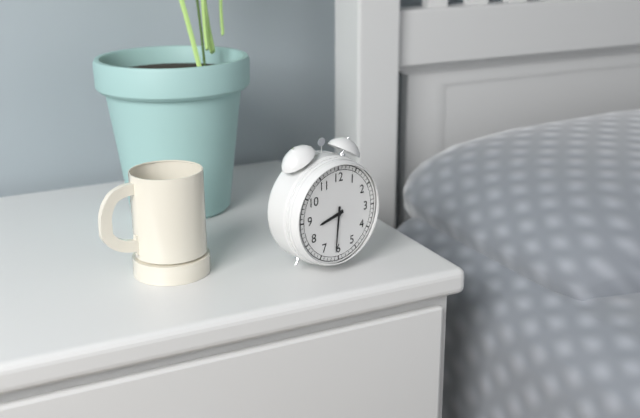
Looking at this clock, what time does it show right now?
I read 8:31
